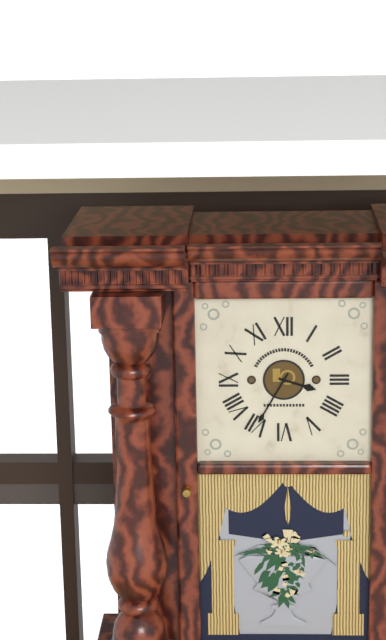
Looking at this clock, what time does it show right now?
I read 3:35
